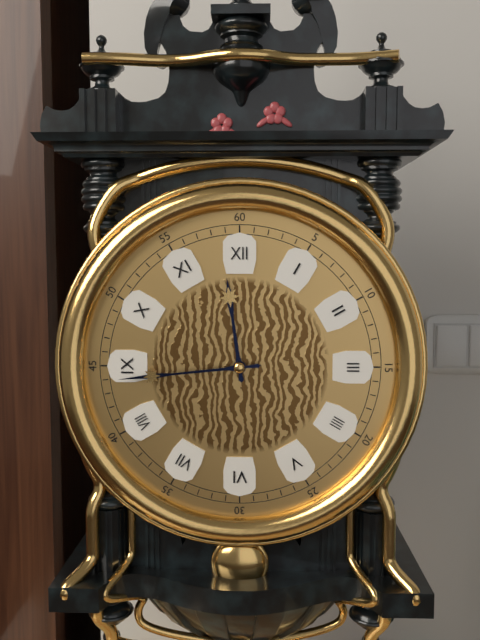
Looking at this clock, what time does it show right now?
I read 11:44
